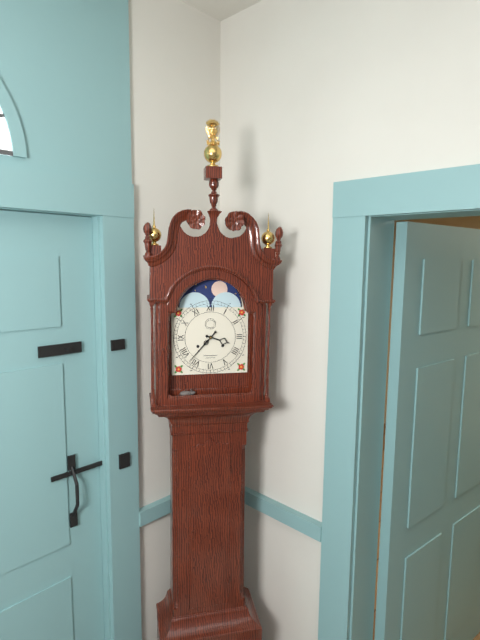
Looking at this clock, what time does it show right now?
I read 3:37
